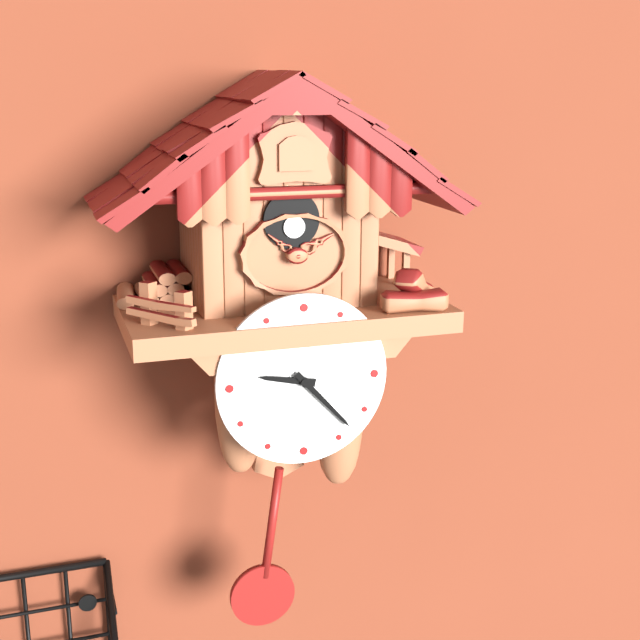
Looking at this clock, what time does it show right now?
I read 9:23
